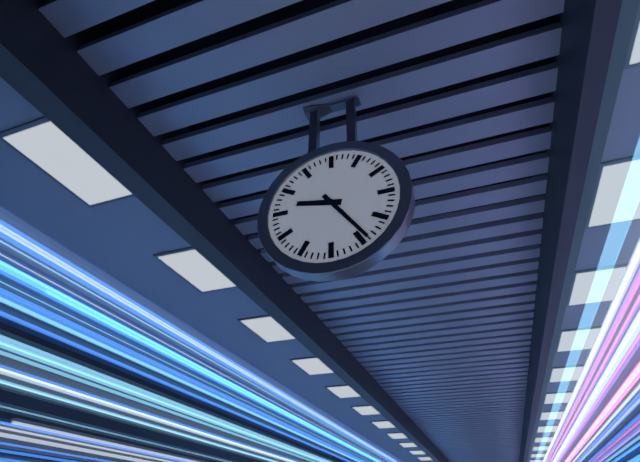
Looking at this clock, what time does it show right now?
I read 9:24
